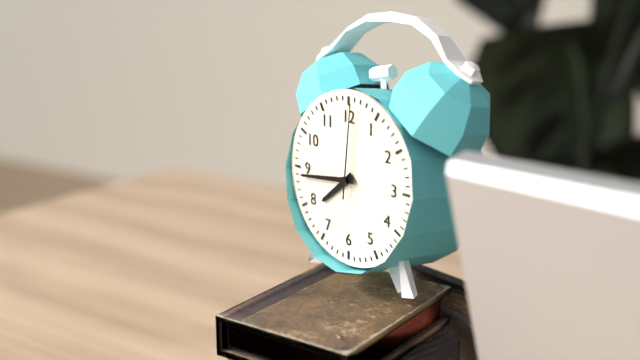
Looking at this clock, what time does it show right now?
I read 7:44:01
